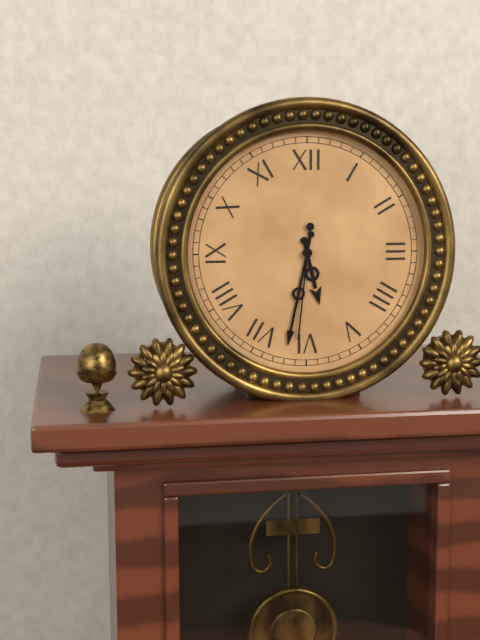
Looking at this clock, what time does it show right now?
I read 5:32:31
